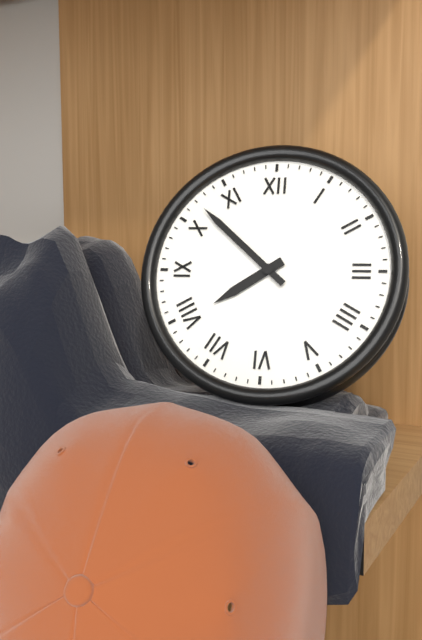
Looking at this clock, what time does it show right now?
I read 7:52
